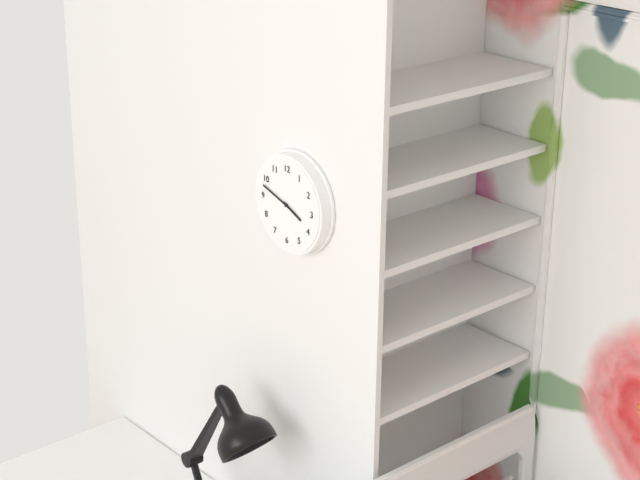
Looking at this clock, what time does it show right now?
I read 3:48
